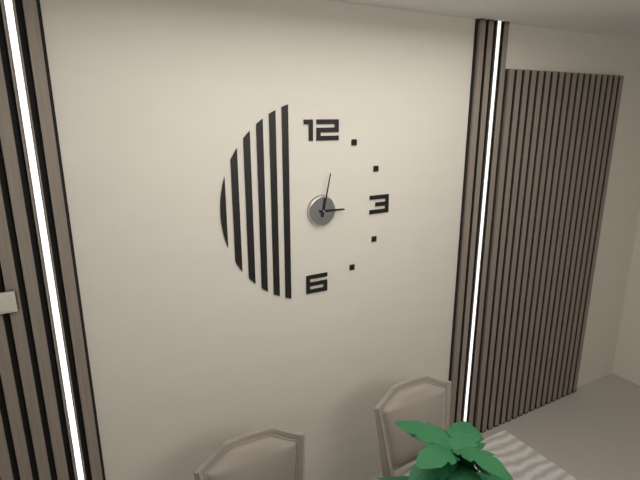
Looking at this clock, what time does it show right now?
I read 3:02
